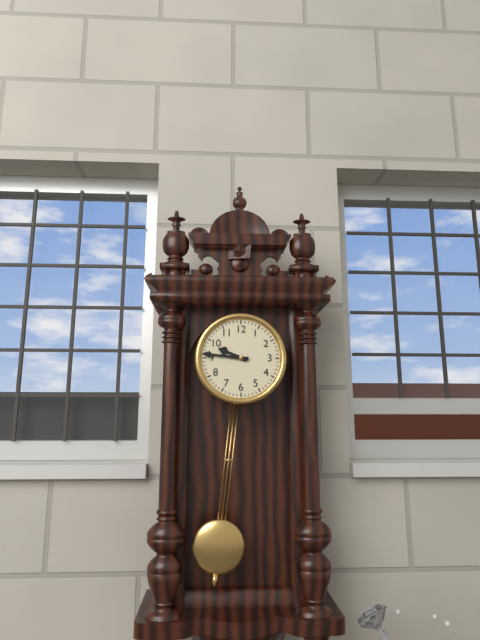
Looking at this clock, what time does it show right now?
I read 9:46
